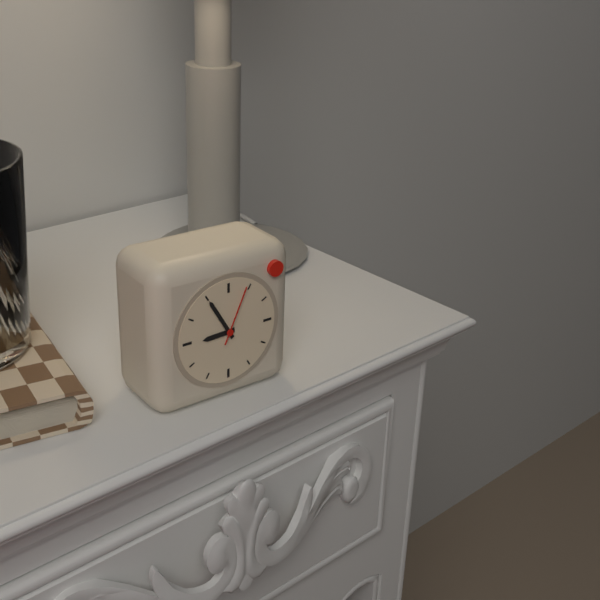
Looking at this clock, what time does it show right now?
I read 8:55:04
